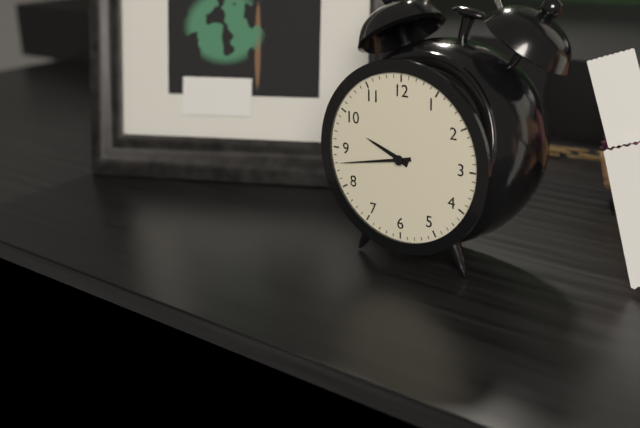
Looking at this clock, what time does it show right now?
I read 9:43
